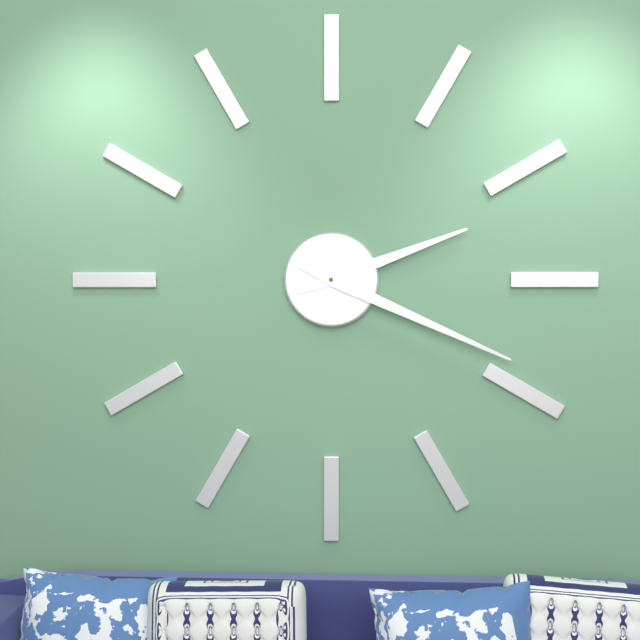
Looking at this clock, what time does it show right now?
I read 2:19
